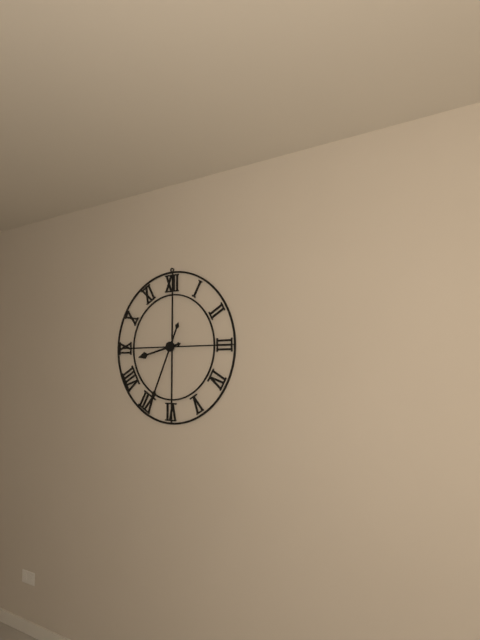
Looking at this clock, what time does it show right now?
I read 8:34
